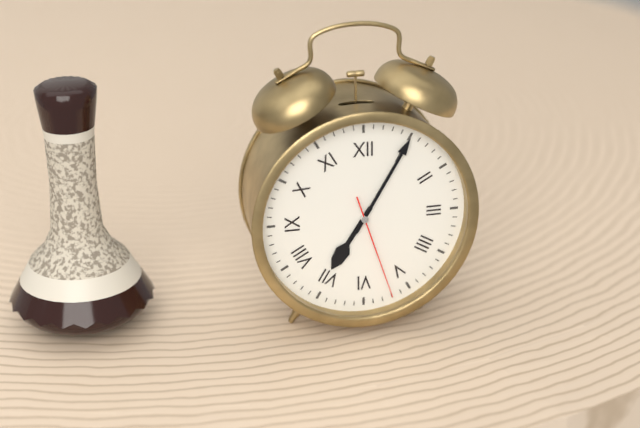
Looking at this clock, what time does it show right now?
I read 7:05:27
